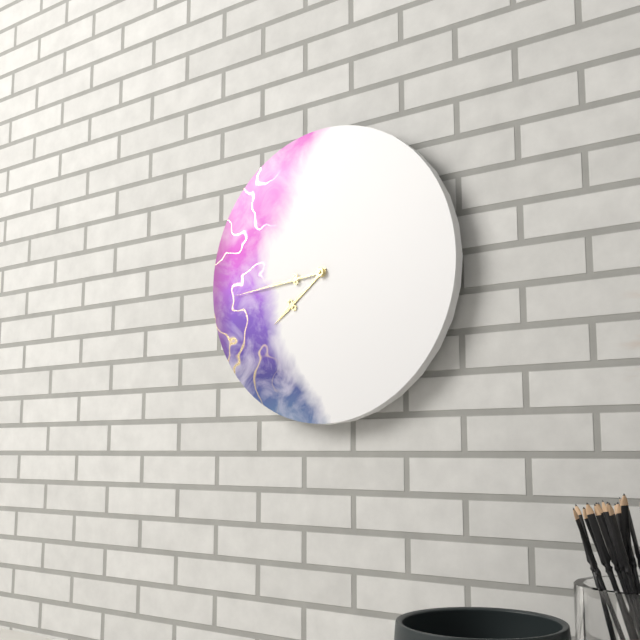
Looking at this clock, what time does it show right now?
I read 7:44
